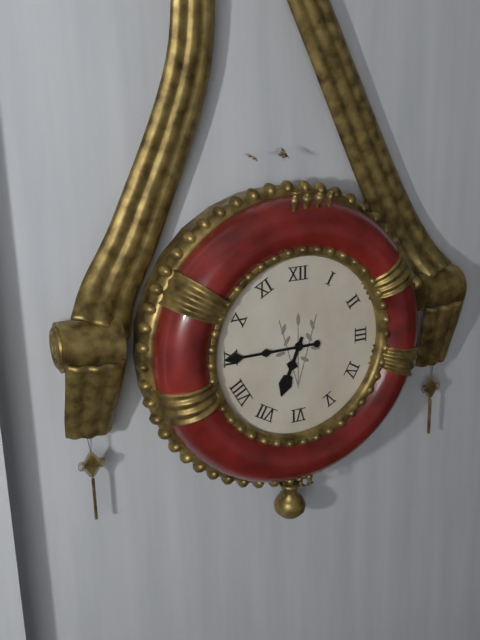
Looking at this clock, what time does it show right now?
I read 6:45
